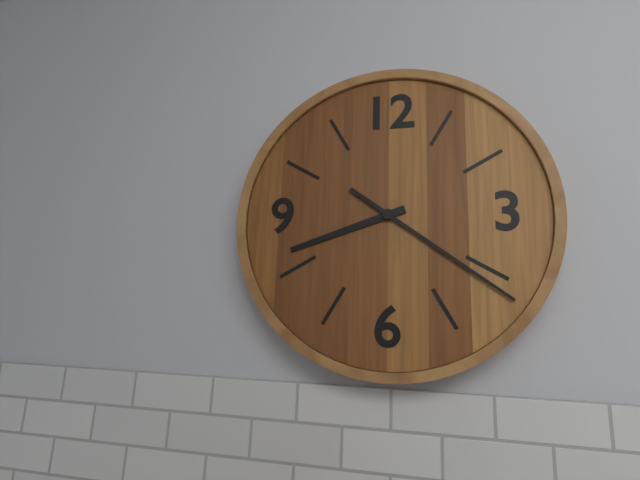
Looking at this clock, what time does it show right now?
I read 8:21
